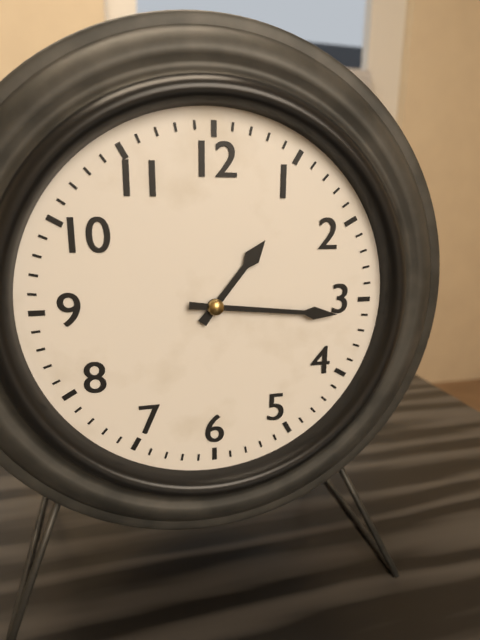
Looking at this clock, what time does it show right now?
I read 1:16
